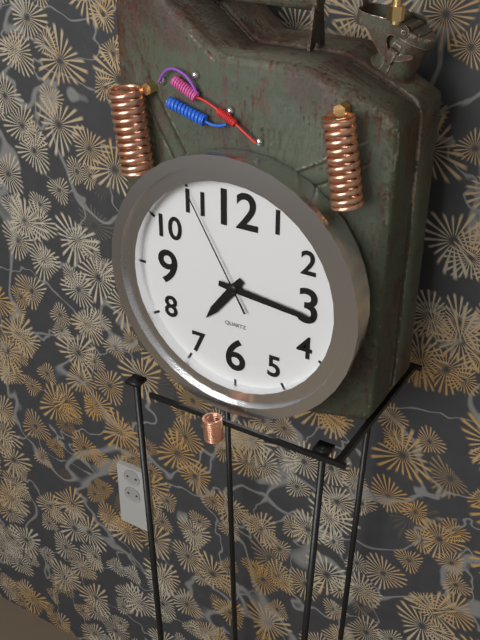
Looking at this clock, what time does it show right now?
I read 7:16:55
